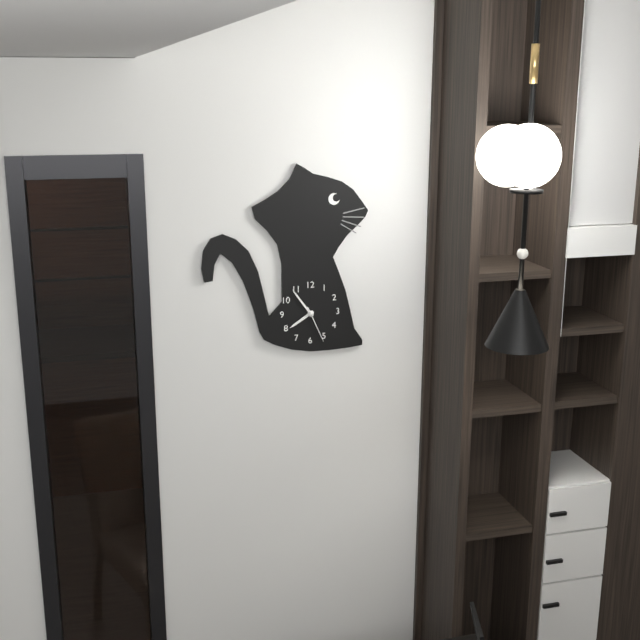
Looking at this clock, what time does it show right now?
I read 7:54
